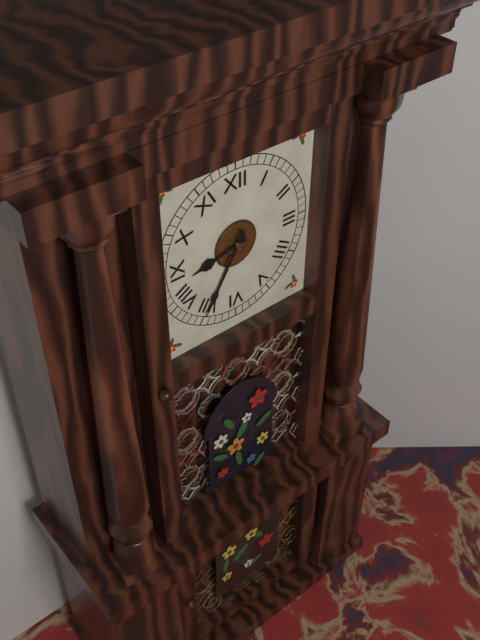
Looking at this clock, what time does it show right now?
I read 8:35
